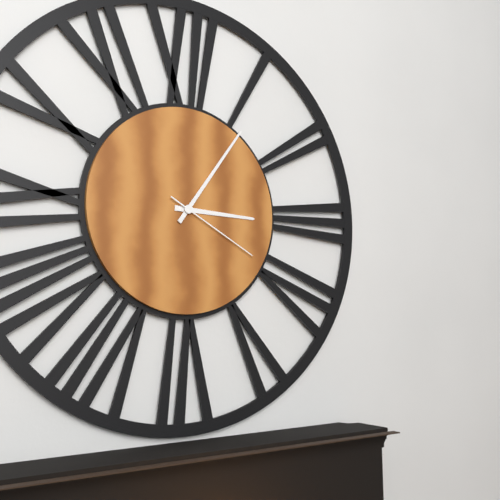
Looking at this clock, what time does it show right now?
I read 3:06:20
